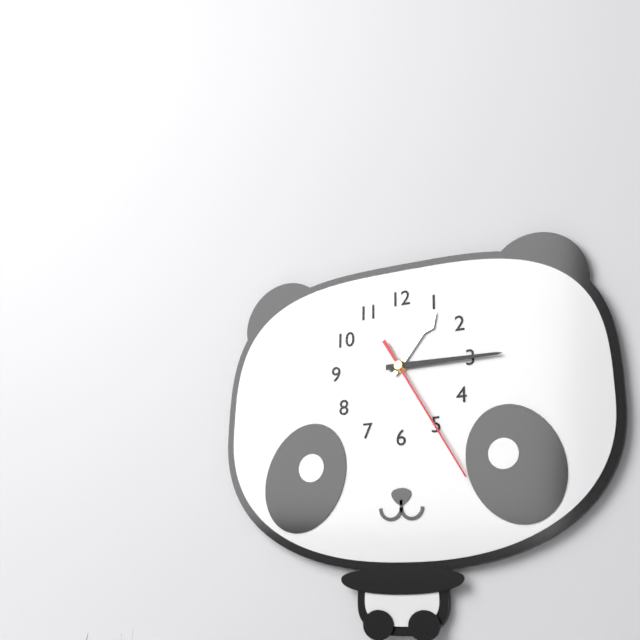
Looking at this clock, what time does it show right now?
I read 1:15:25
